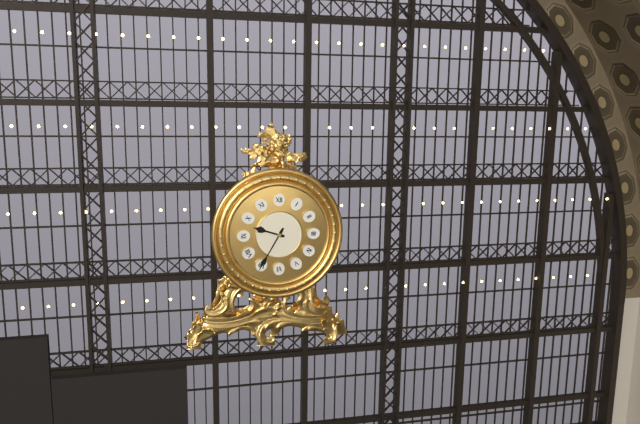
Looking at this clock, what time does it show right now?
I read 9:35
